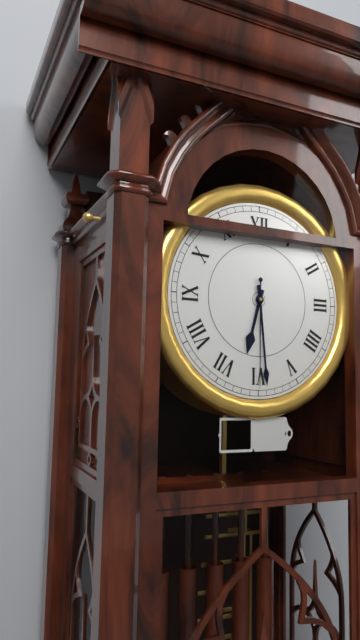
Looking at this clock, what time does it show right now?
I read 6:29:30
